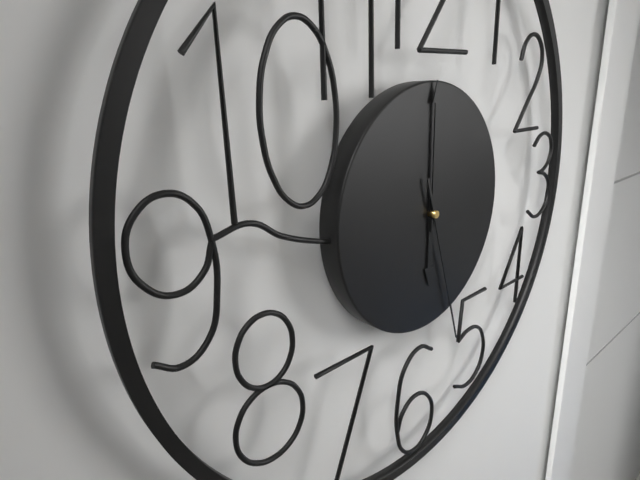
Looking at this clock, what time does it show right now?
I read 6:00:27
